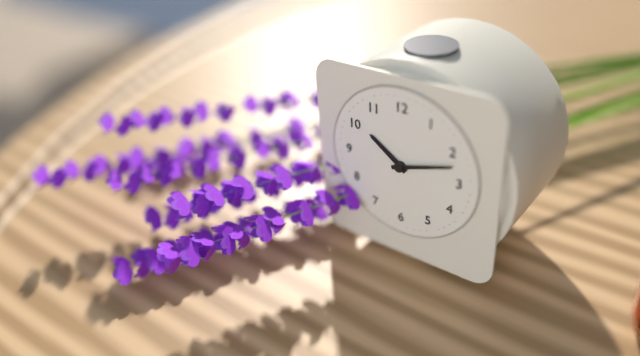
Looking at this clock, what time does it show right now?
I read 10:12
